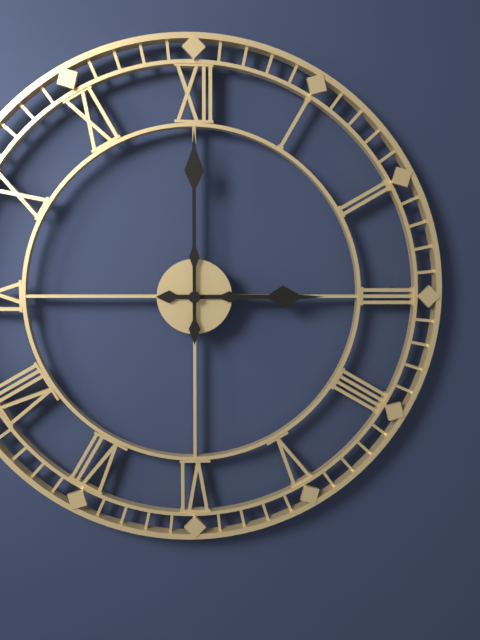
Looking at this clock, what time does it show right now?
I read 3:00
